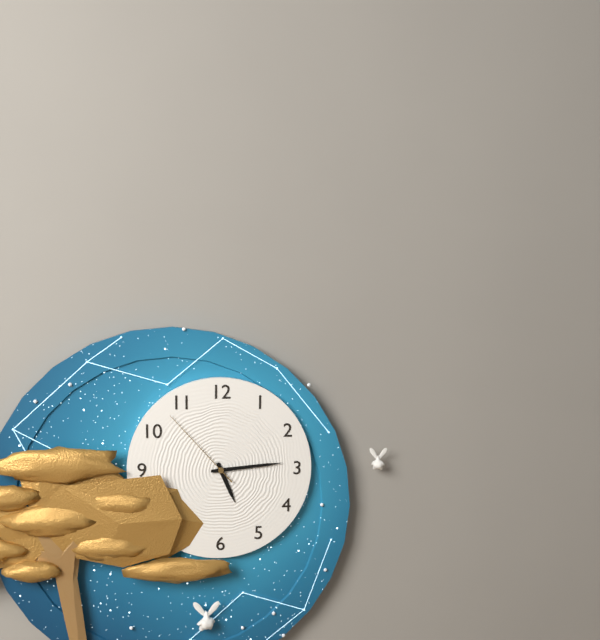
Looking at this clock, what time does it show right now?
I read 5:14:53
